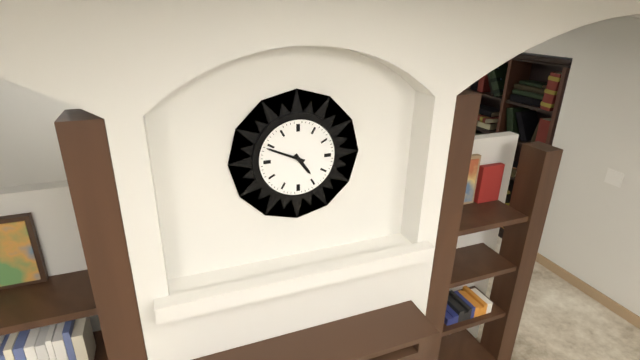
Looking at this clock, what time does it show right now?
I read 4:49
